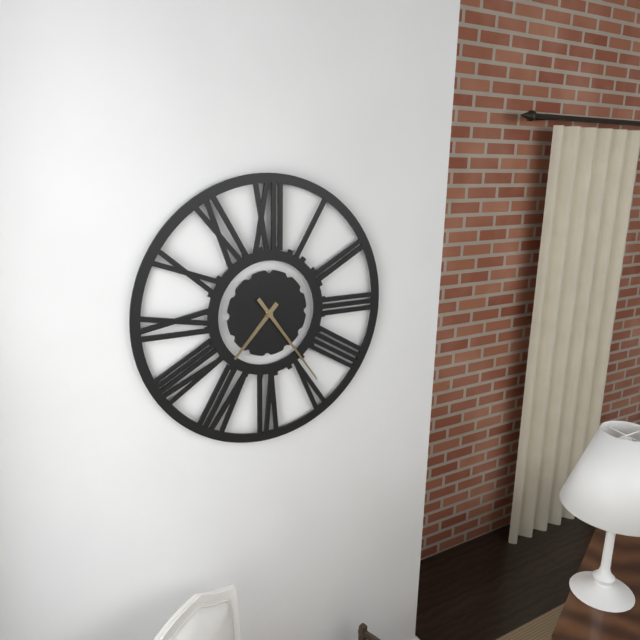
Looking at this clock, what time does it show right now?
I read 7:24
